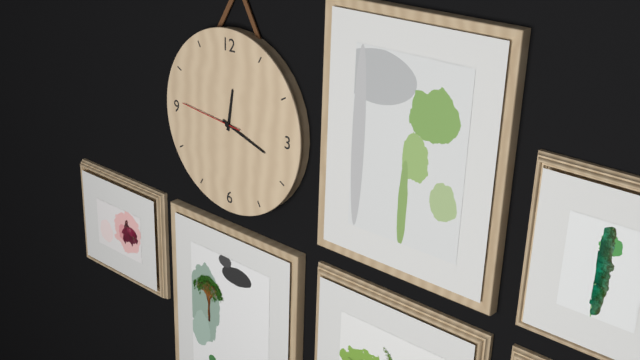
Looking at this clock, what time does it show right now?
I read 12:18:46
